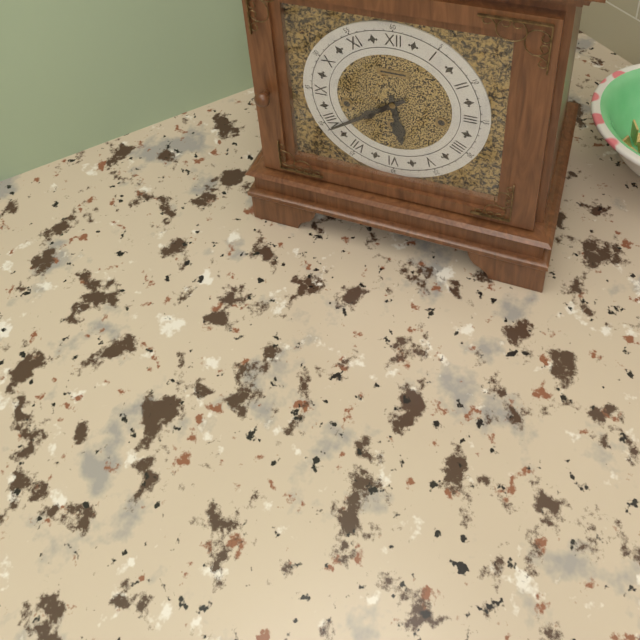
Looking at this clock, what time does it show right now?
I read 5:39
